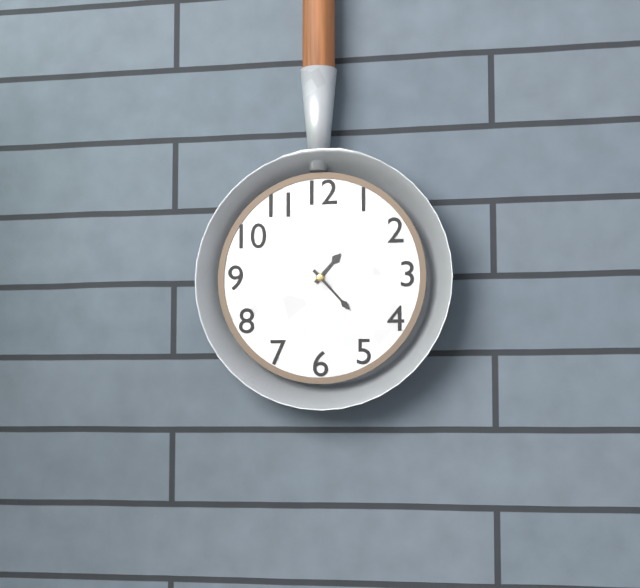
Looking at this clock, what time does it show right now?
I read 1:23
